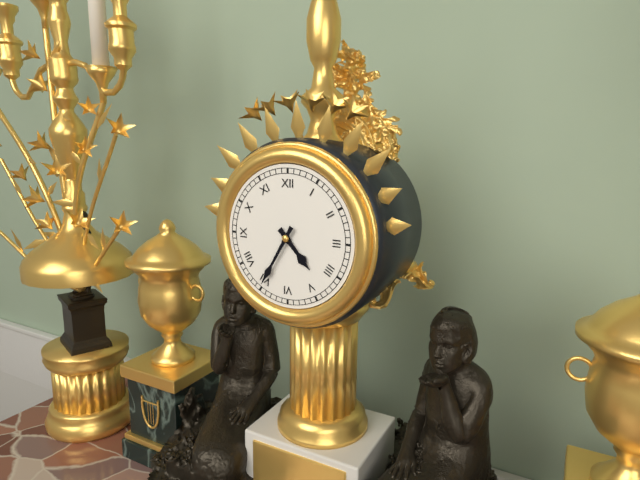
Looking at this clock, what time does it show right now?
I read 4:35
